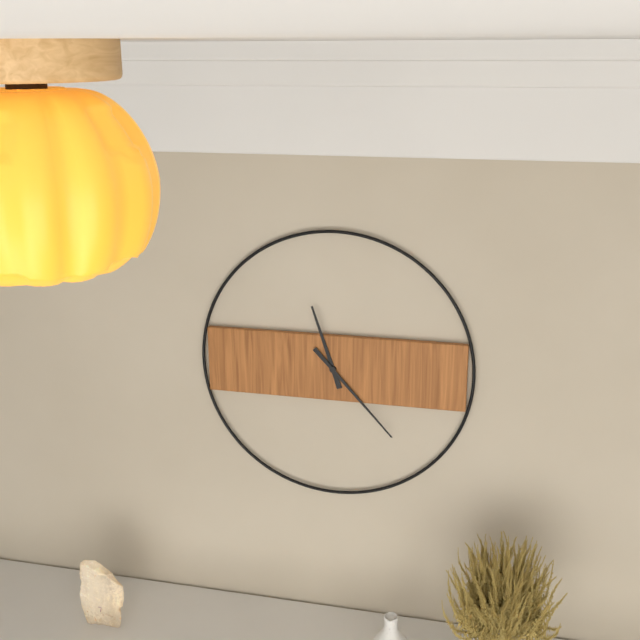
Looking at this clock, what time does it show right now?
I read 11:23
